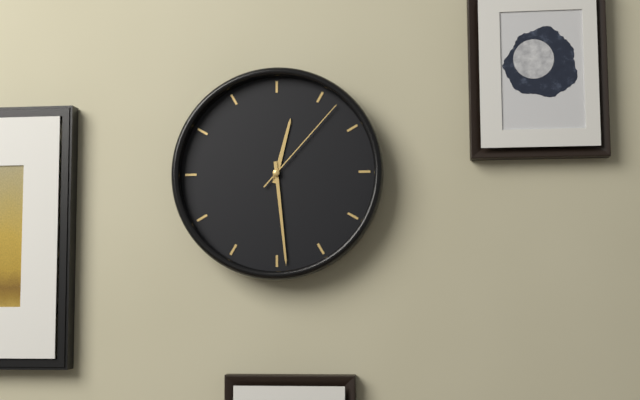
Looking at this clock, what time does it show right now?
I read 12:29:07
